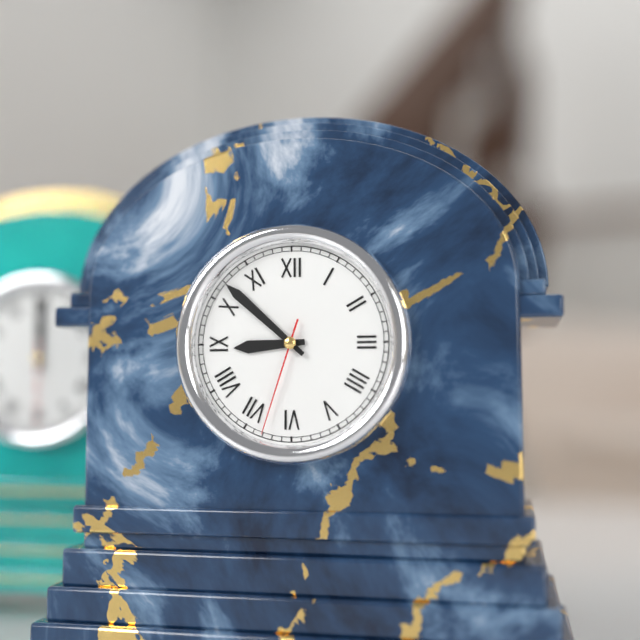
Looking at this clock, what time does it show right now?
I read 8:52:33
